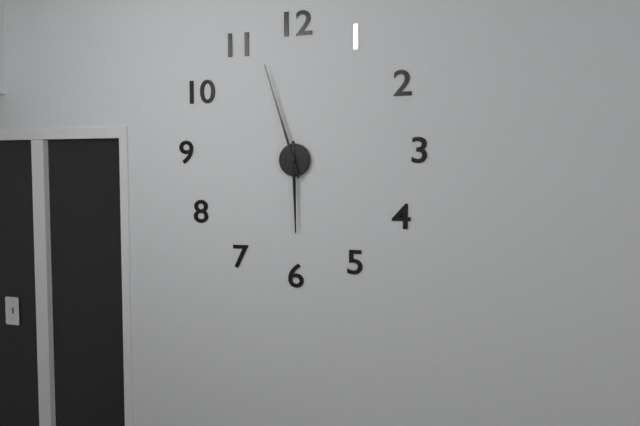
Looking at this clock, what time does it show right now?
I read 5:57
